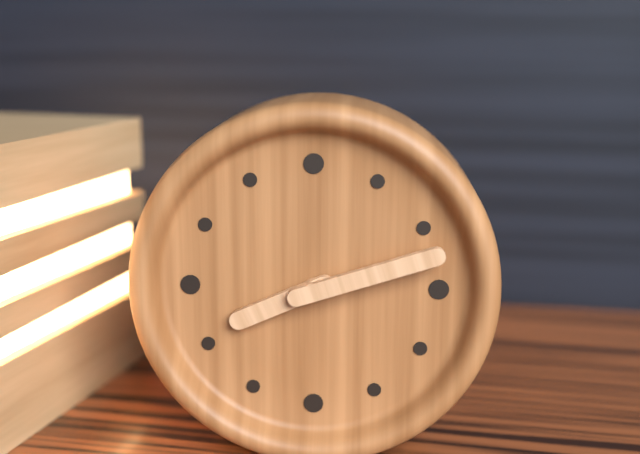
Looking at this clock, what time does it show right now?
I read 8:12
